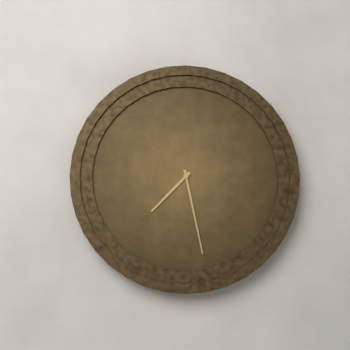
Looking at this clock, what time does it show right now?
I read 7:28
